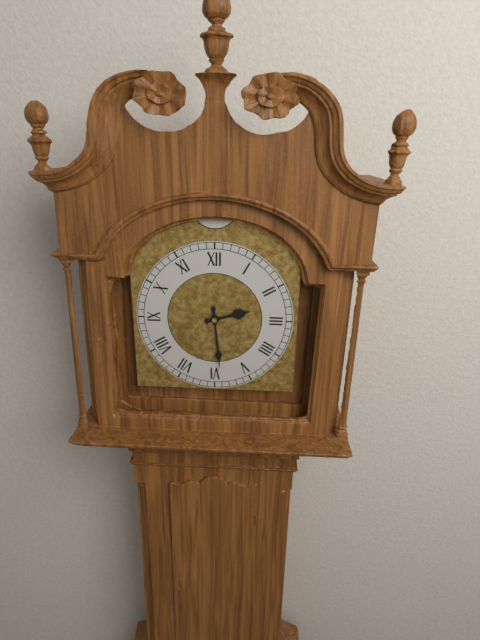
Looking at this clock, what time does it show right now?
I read 2:29
